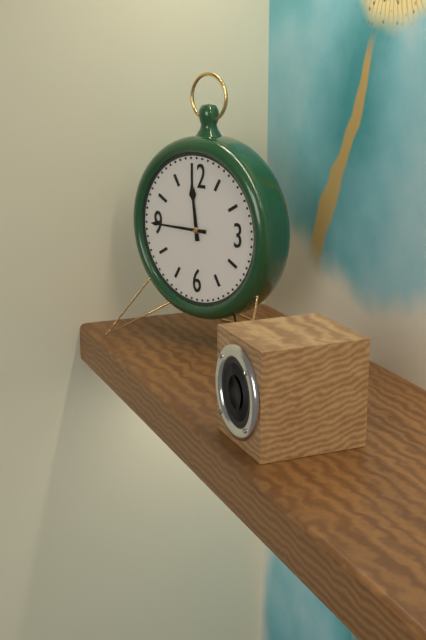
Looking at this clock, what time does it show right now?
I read 11:45
